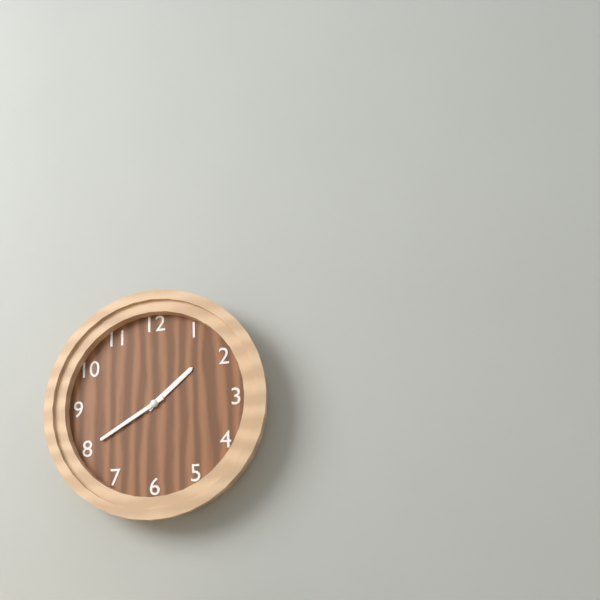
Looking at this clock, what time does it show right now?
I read 1:40
